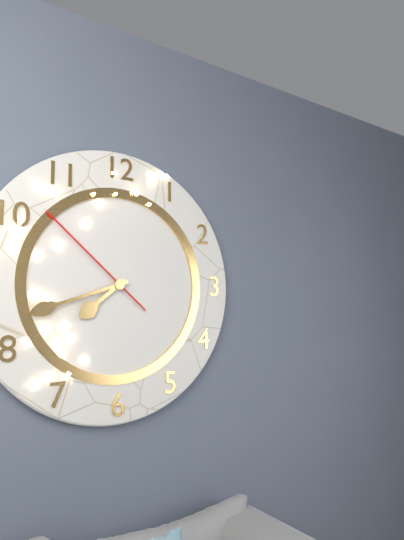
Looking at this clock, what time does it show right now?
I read 7:42:52
